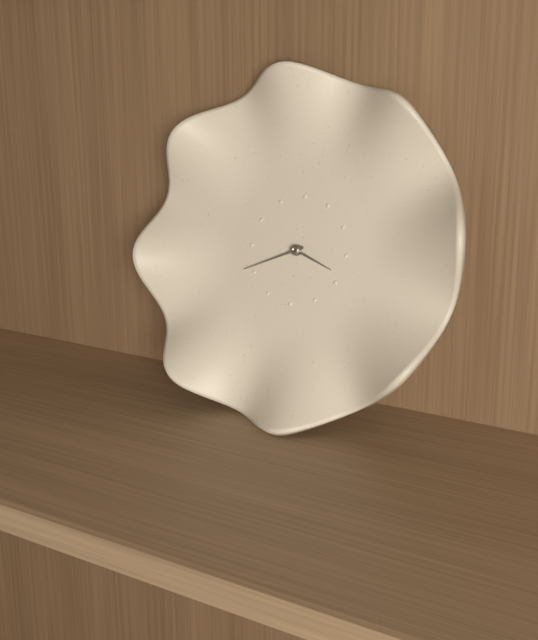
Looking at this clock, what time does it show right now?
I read 3:41
